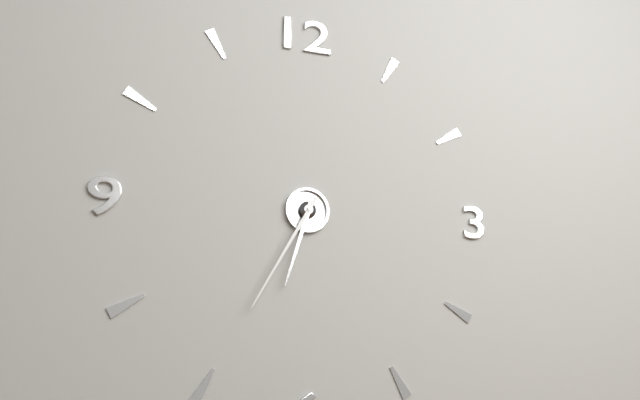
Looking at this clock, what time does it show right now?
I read 6:35
